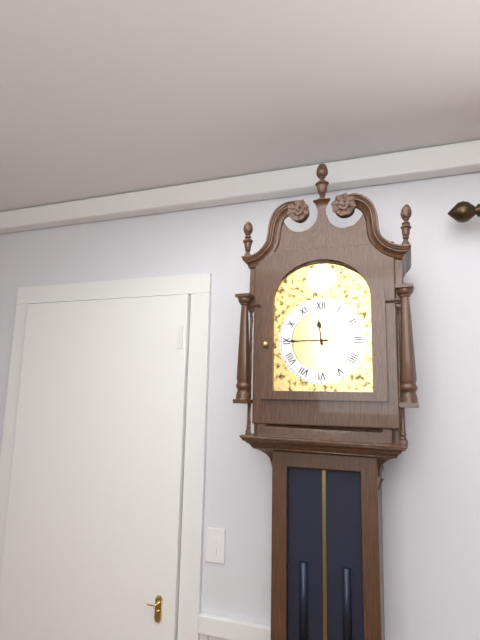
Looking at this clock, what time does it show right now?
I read 11:45
